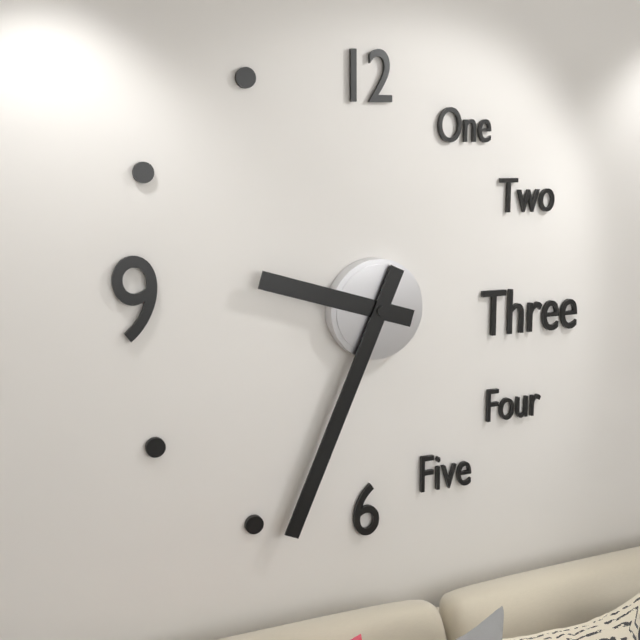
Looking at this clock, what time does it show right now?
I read 9:34
